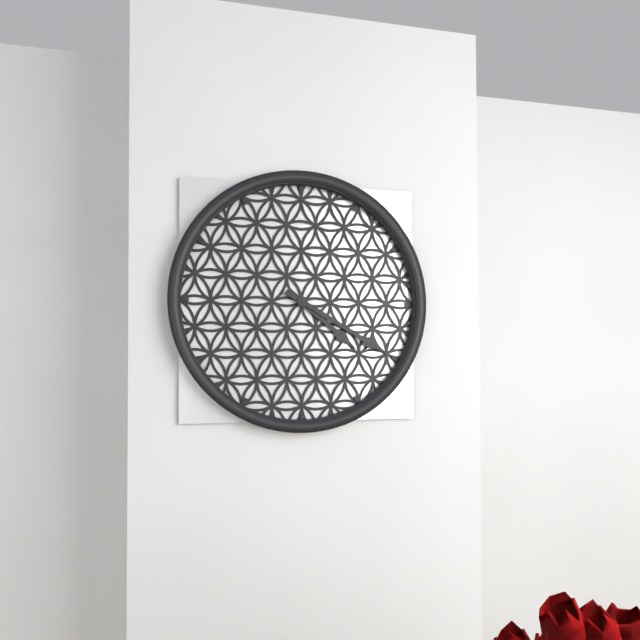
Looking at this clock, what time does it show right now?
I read 4:20
